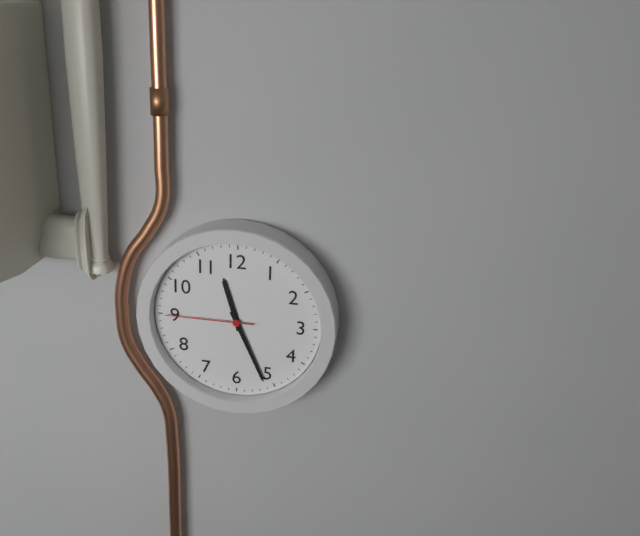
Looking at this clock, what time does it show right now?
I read 11:26:45
